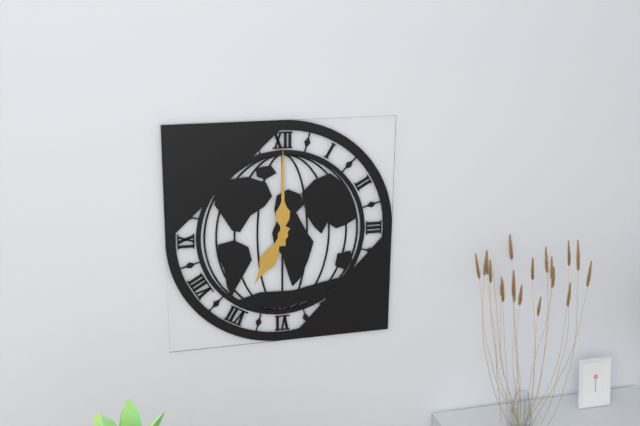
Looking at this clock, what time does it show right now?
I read 7:00
